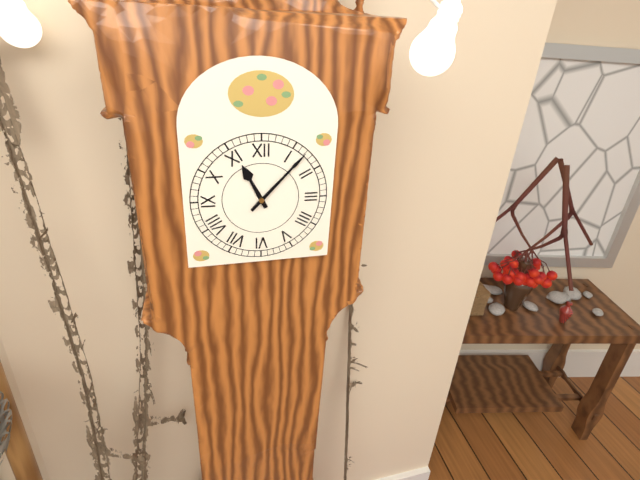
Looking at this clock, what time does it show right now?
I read 11:07
